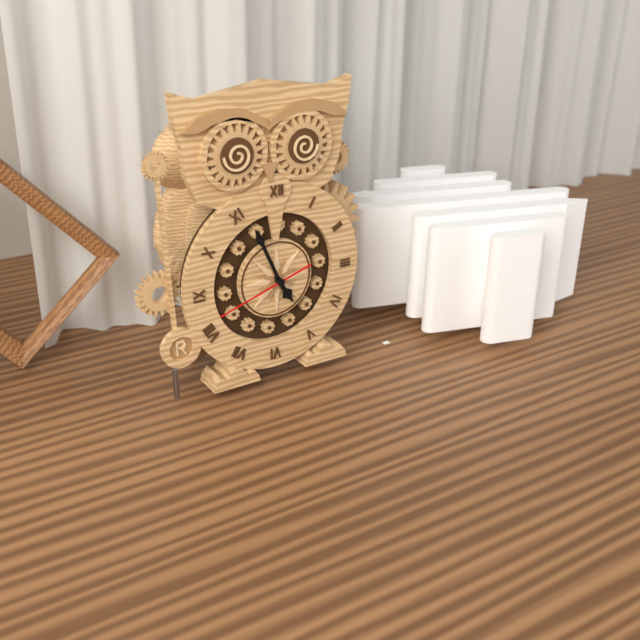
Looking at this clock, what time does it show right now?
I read 4:56:42
